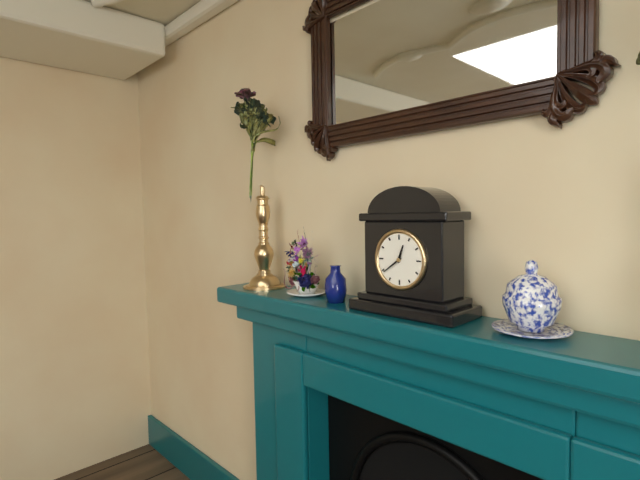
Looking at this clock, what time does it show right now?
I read 12:39
